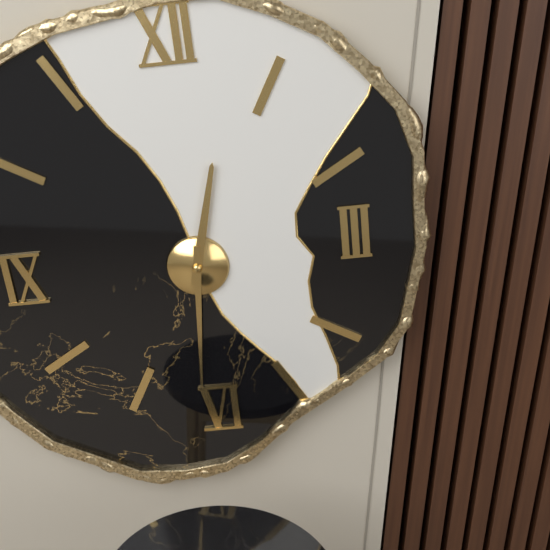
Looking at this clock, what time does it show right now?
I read 12:31
